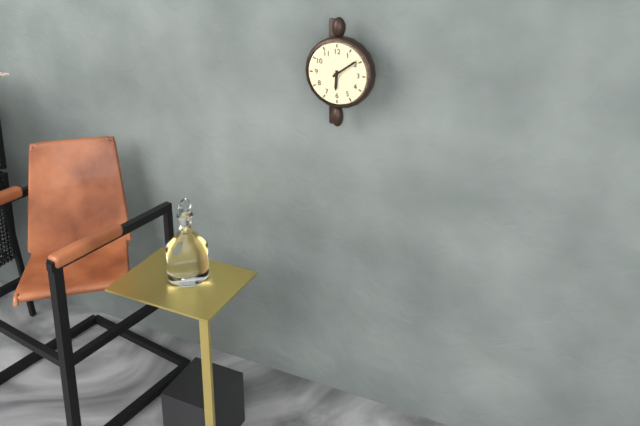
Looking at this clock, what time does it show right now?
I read 6:09
